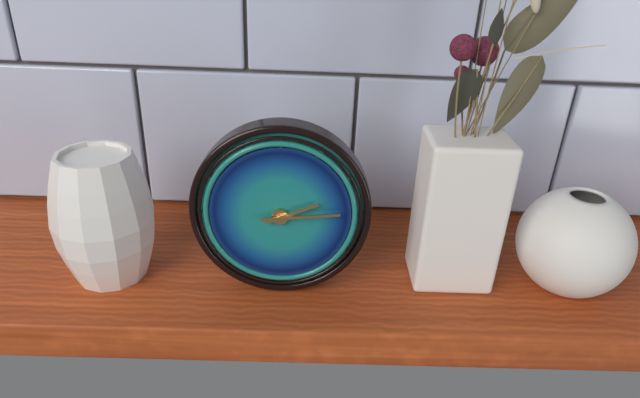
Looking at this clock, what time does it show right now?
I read 2:14
